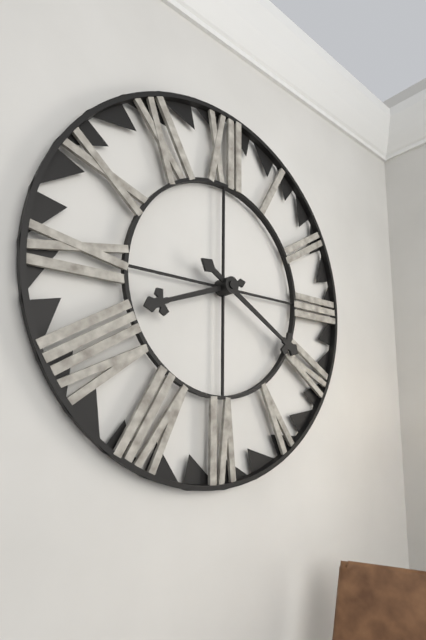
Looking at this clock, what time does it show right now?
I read 8:20
